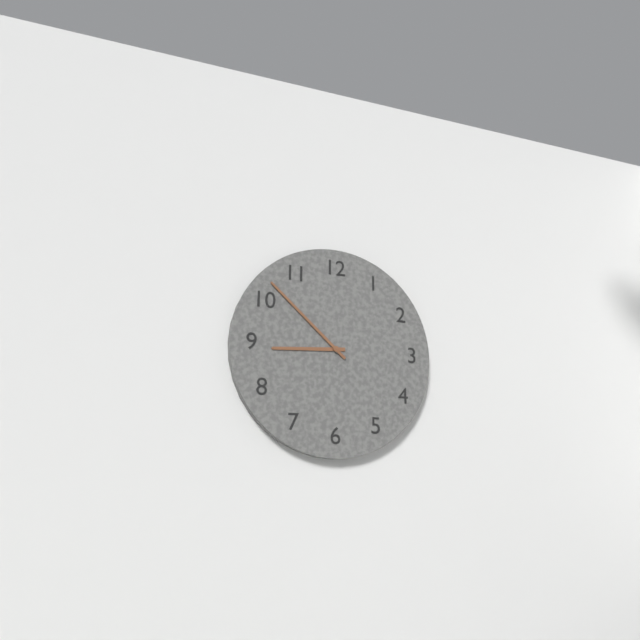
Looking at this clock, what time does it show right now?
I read 8:52
